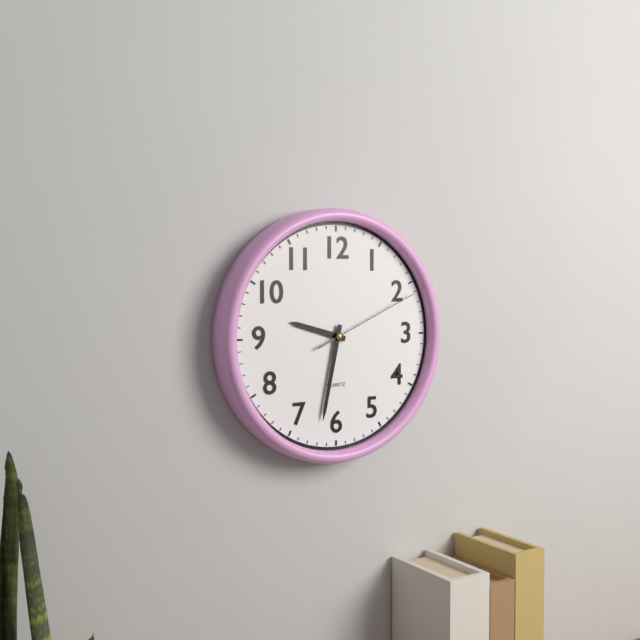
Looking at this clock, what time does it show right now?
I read 9:32:11
